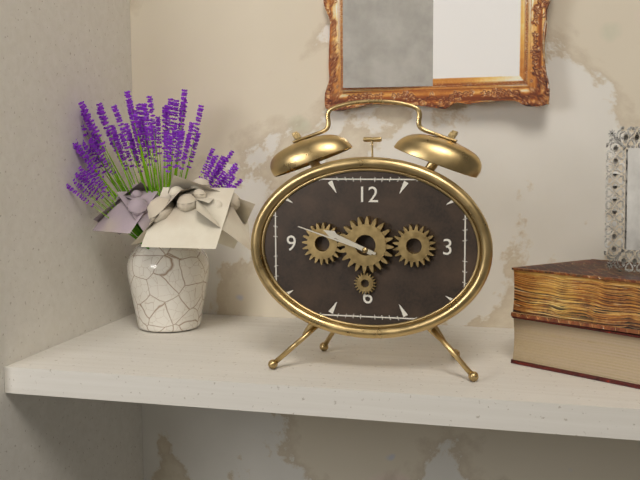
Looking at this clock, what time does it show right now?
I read 9:48
